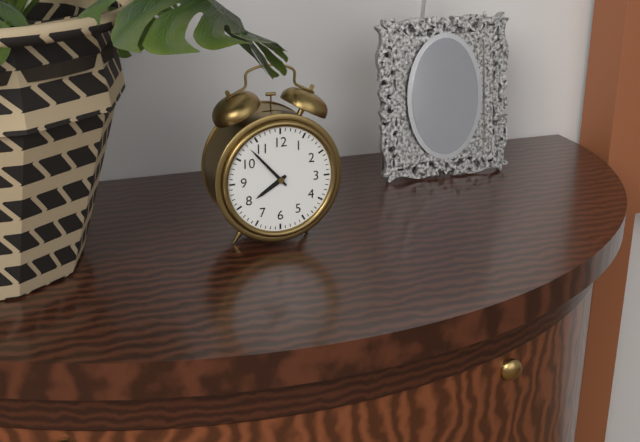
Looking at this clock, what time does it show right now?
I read 7:53
